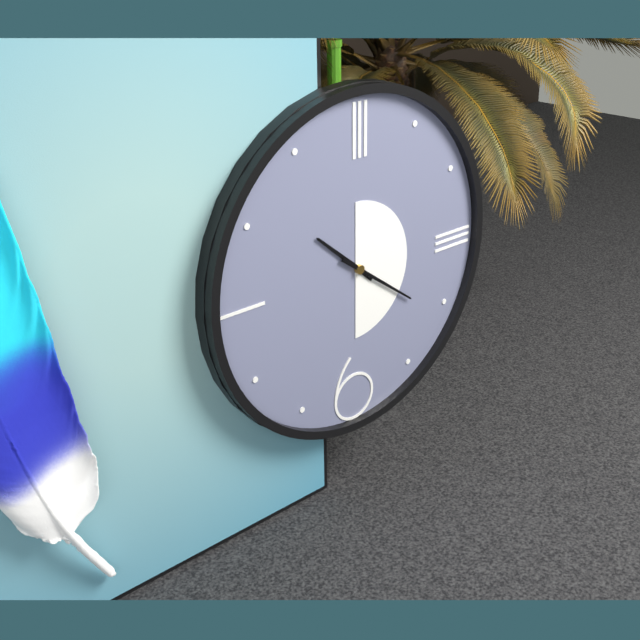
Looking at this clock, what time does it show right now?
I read 10:21
